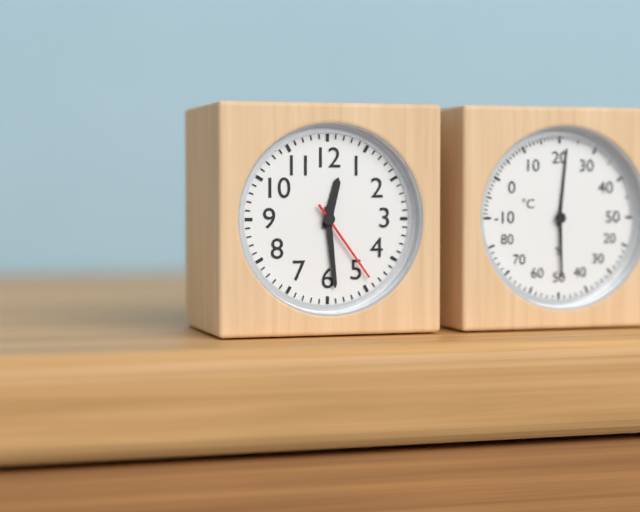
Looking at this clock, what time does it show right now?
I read 12:29:24
